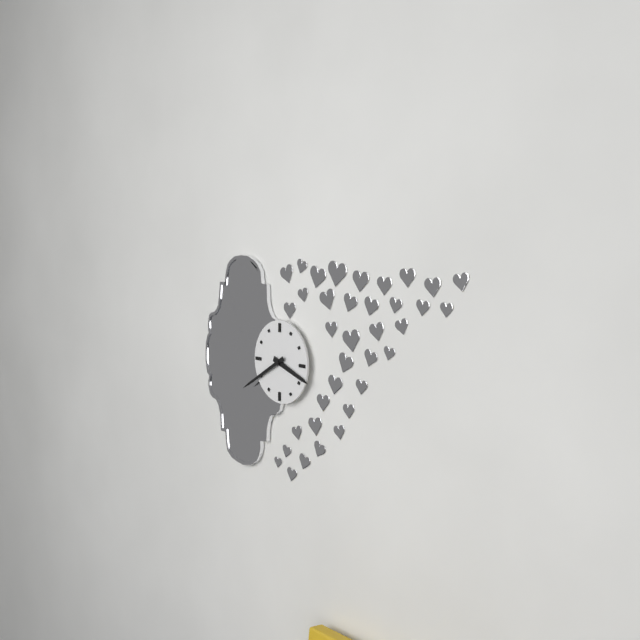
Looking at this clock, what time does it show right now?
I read 3:40
